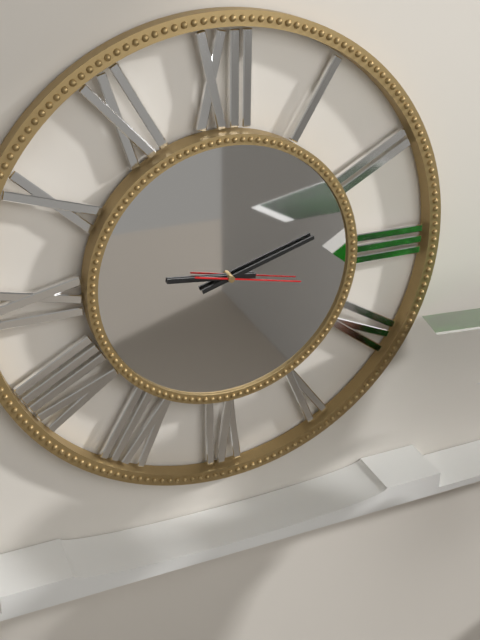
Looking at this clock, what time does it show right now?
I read 9:12:17
